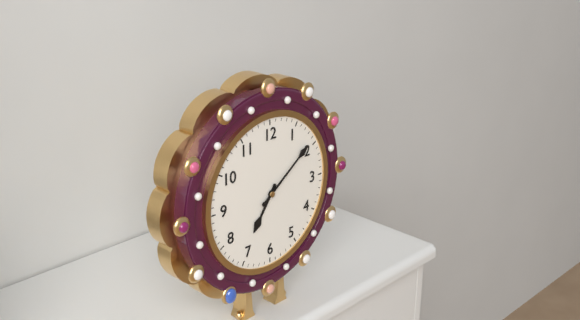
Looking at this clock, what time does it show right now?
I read 7:09
